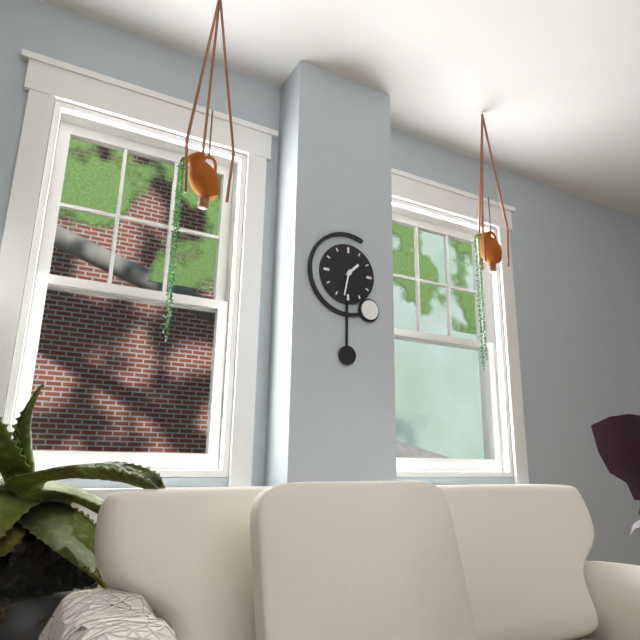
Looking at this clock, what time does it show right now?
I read 1:32
